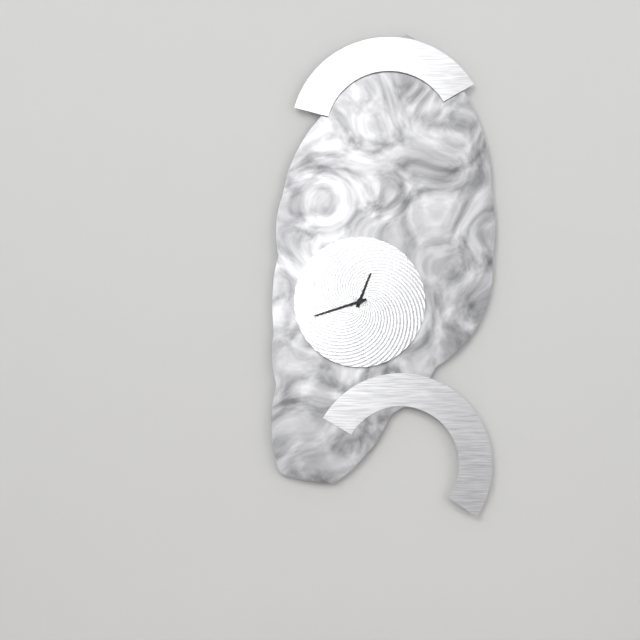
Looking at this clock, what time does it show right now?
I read 12:42
